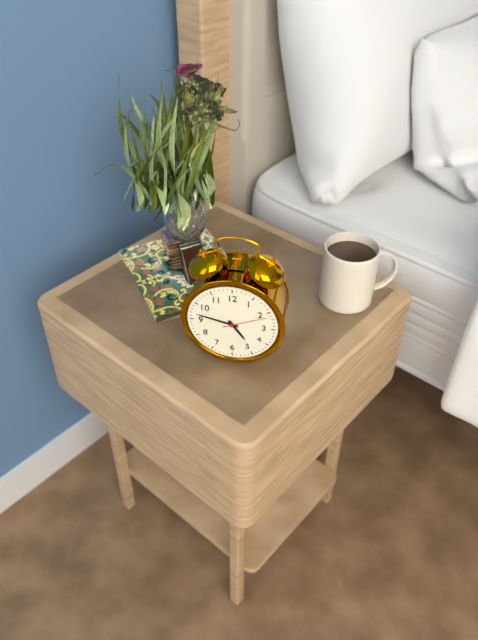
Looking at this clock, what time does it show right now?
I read 4:47
